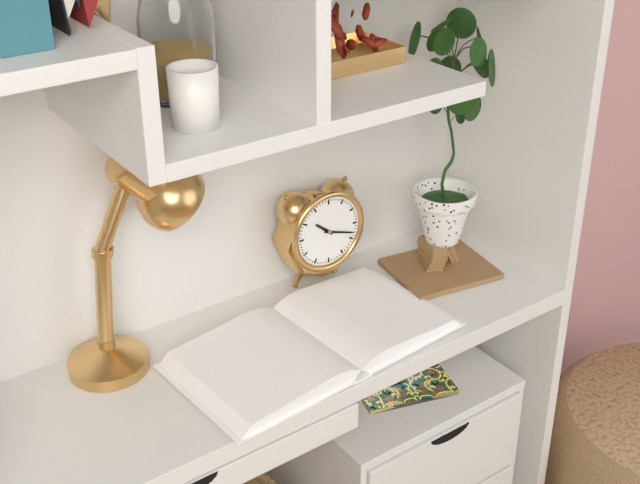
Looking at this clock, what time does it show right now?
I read 10:18
